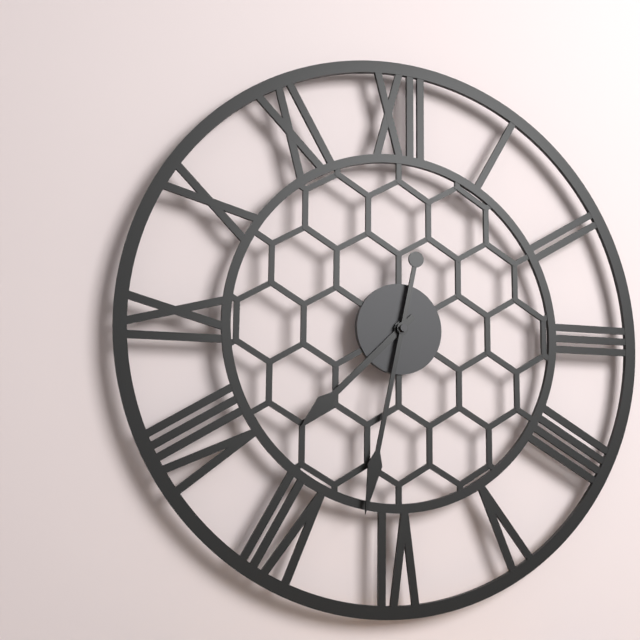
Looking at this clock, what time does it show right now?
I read 7:32
